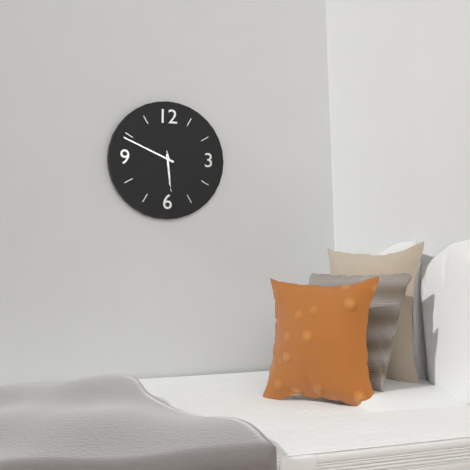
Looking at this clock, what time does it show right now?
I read 5:49
